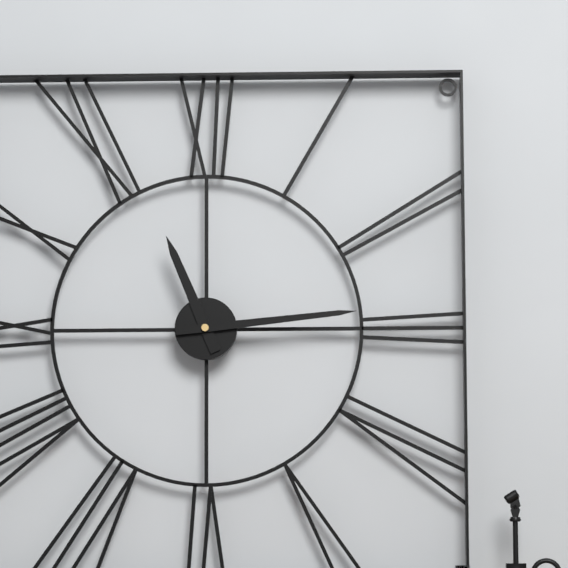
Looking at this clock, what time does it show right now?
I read 11:14
